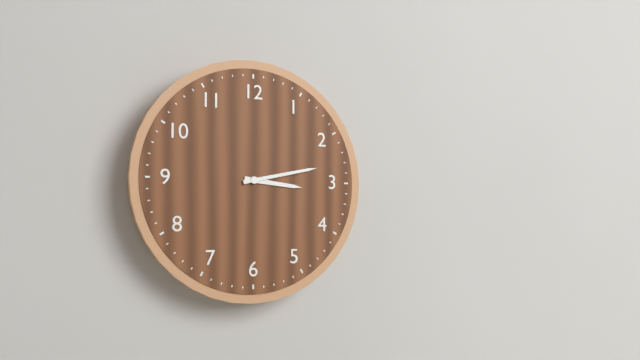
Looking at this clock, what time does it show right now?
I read 3:13
